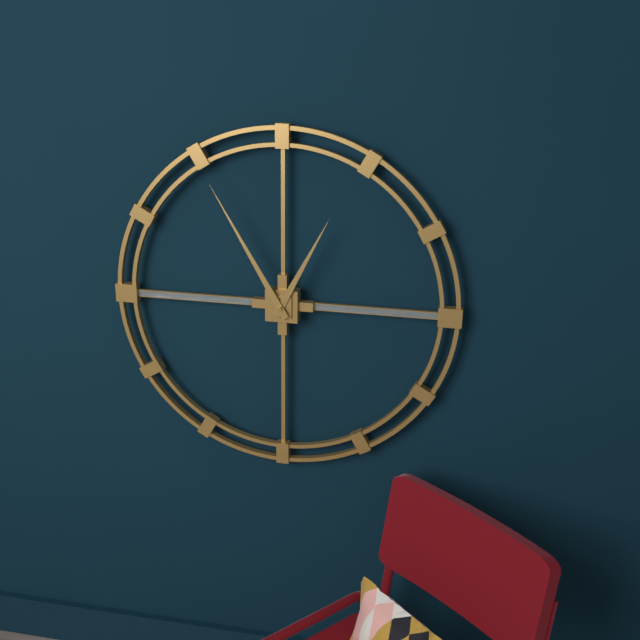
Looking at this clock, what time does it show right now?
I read 12:55
